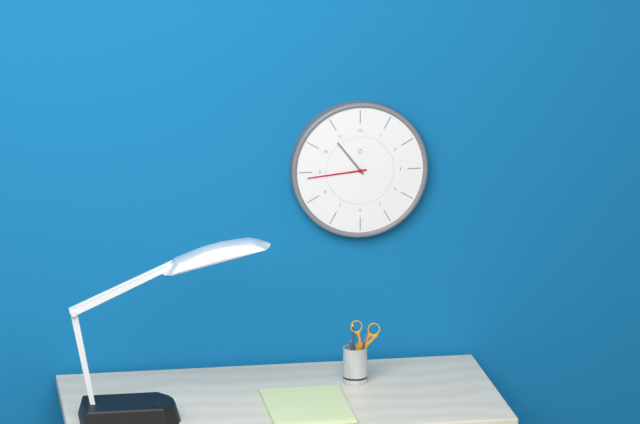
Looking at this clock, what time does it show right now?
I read 10:44
